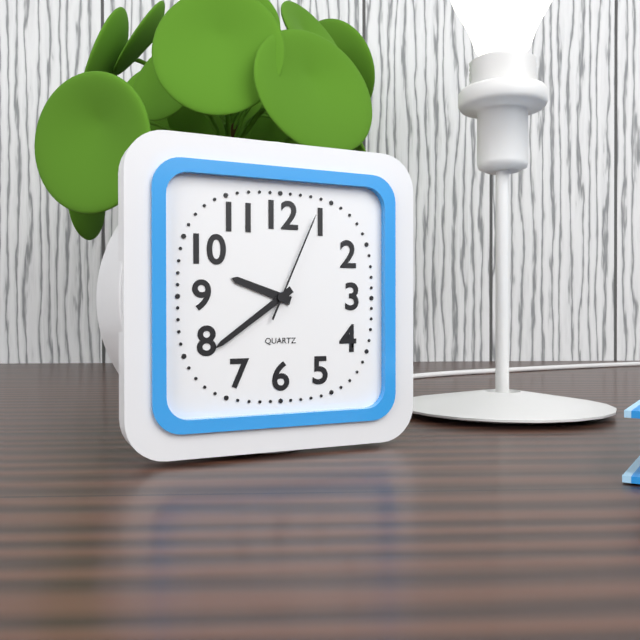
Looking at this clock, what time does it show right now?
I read 9:39:04
